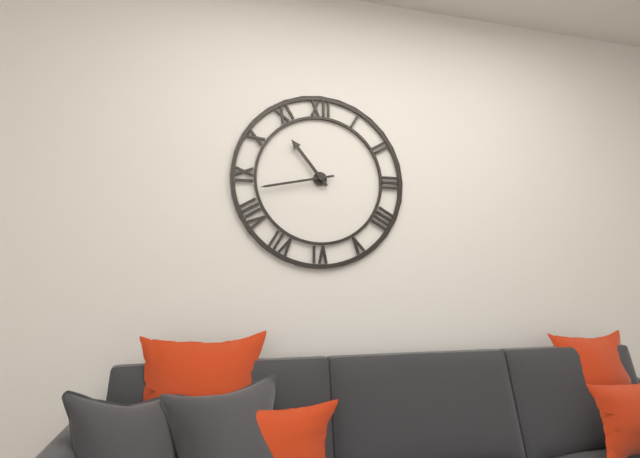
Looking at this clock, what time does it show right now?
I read 10:43
